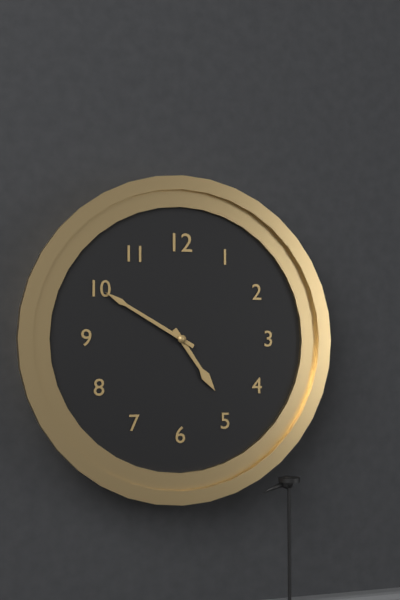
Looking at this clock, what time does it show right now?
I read 4:50
